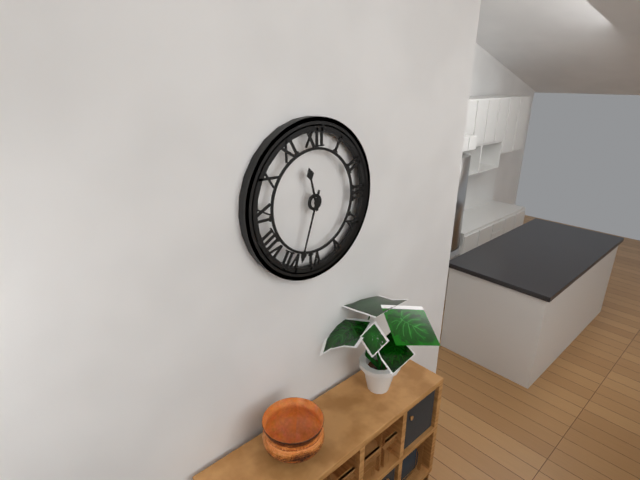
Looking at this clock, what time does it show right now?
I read 11:33
